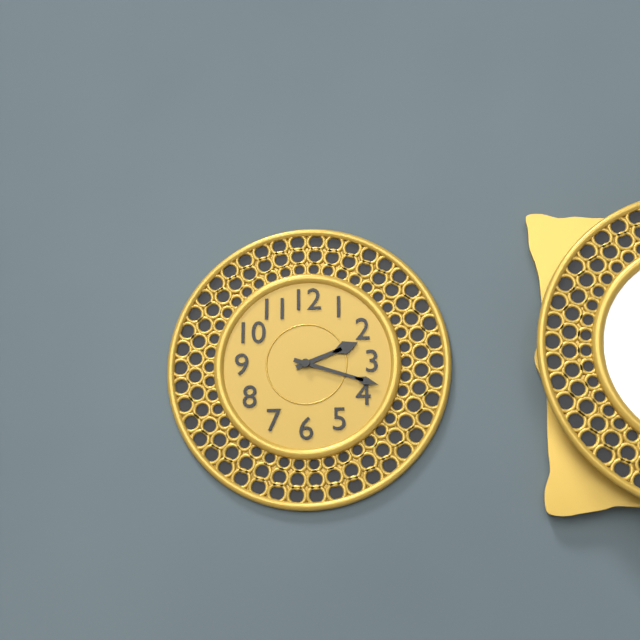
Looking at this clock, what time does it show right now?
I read 2:18
